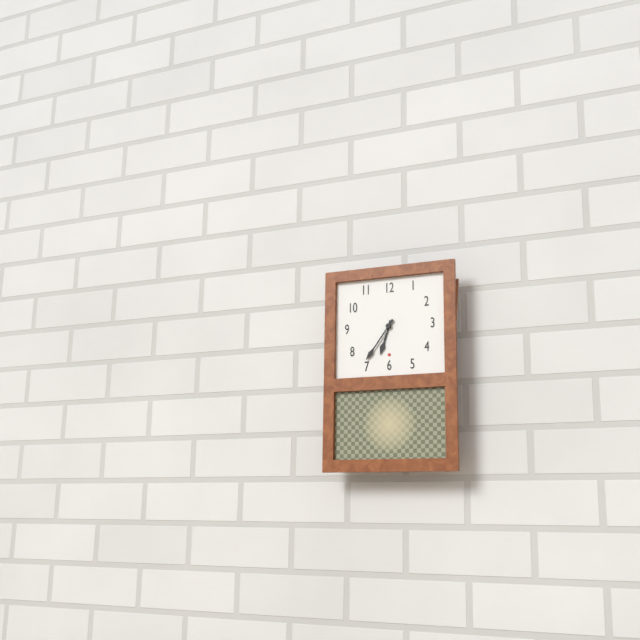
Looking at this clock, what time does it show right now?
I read 6:36
